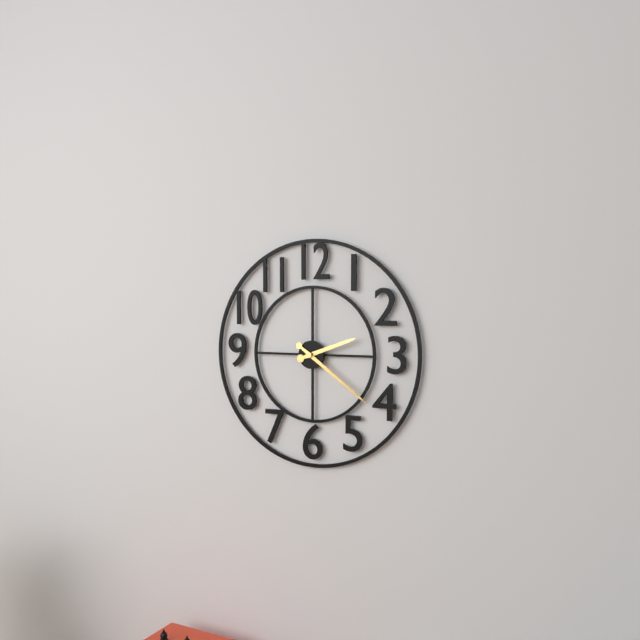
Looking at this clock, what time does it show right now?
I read 2:21
